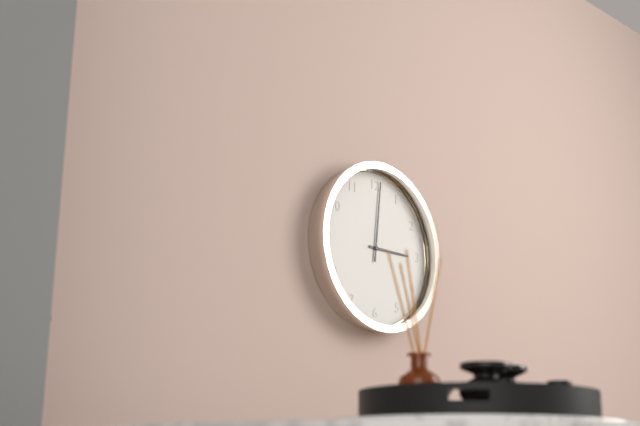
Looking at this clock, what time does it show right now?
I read 3:01
